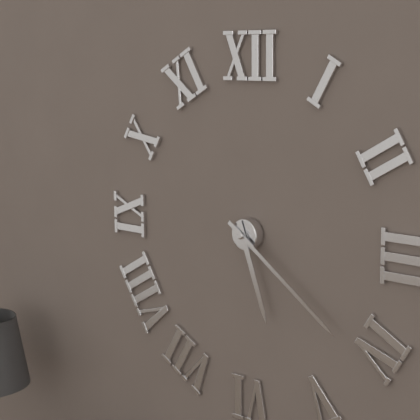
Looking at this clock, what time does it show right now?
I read 5:21
